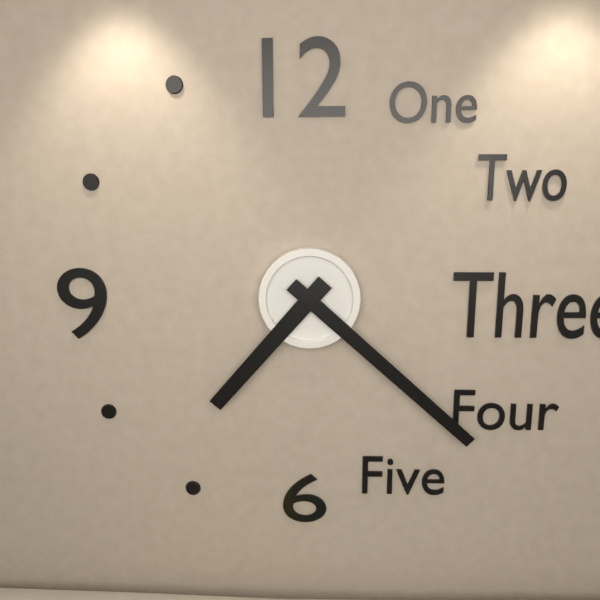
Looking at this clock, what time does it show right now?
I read 7:22
